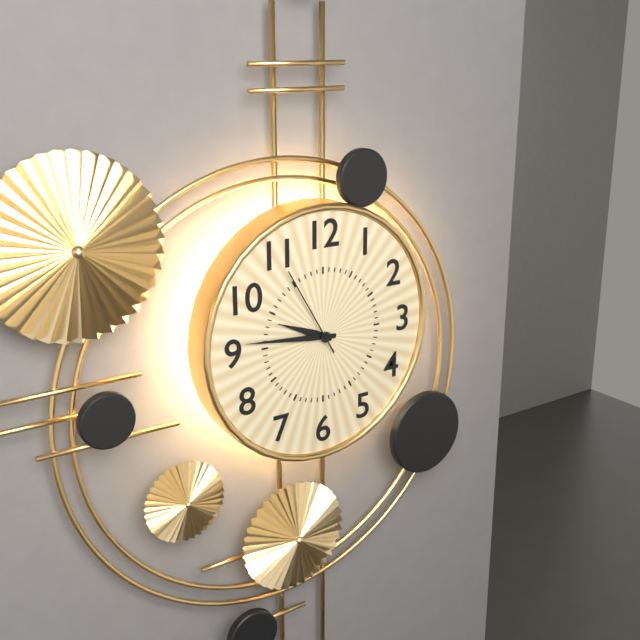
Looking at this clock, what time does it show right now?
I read 9:46:55
